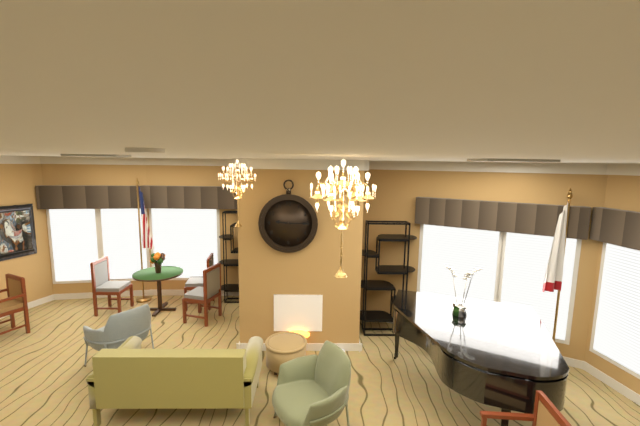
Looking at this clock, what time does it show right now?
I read 9:15
